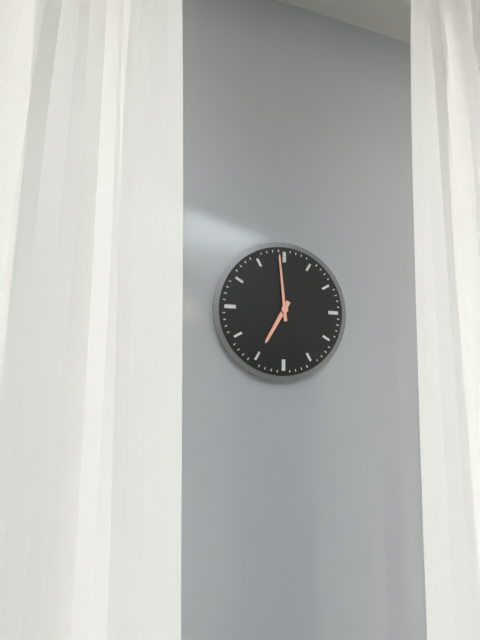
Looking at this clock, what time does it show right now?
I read 6:59
